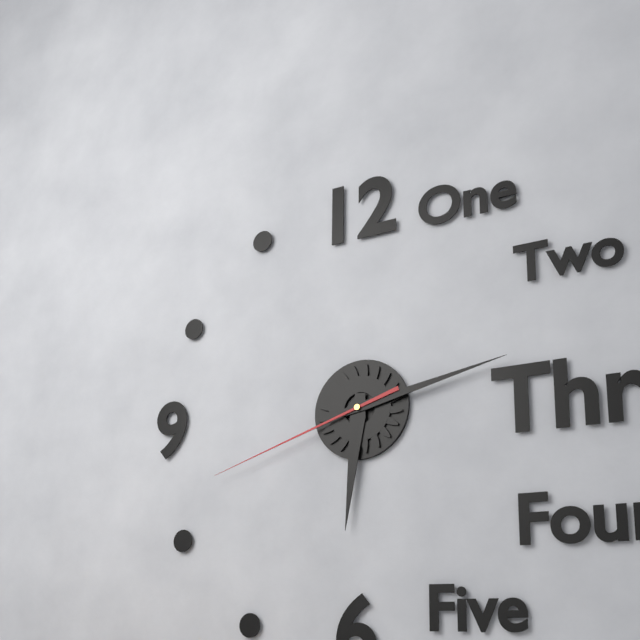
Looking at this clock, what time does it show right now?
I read 6:13:42
